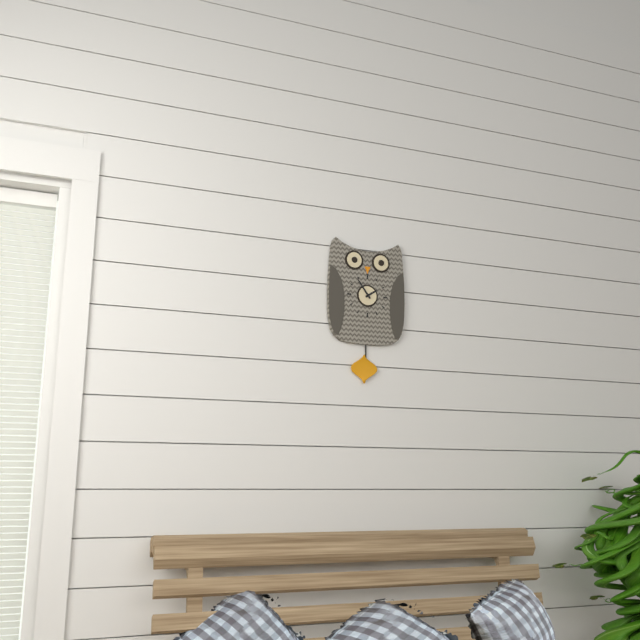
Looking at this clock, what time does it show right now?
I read 1:54
